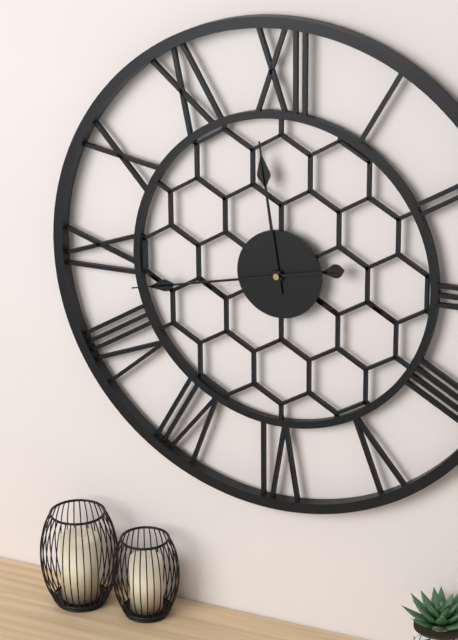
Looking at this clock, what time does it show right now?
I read 11:43
